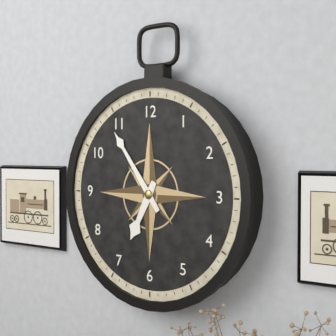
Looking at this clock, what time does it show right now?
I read 6:54
